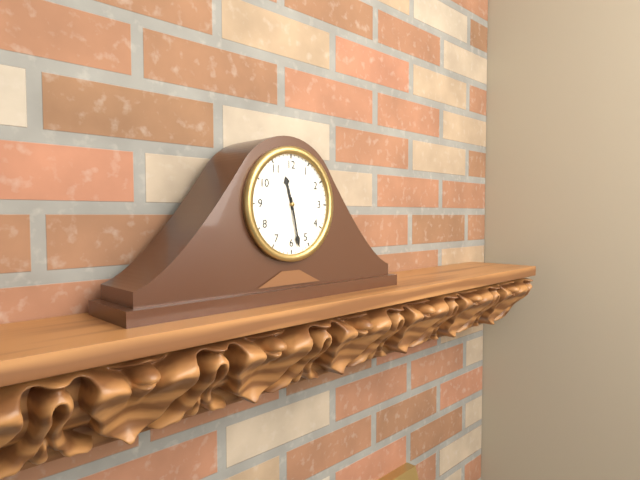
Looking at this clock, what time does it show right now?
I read 11:28
